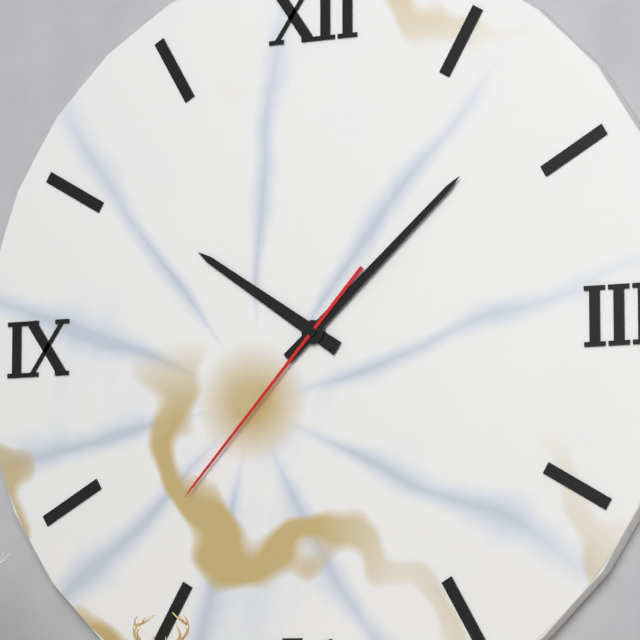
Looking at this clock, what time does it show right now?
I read 10:08:37
